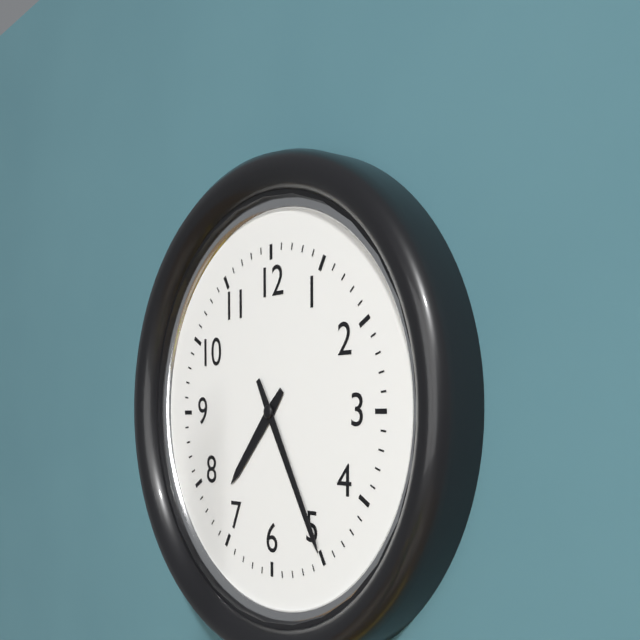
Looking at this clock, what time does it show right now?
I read 7:25
